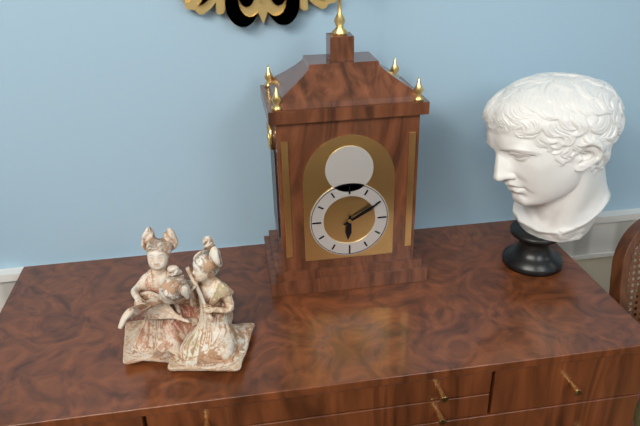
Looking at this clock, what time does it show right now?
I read 6:10
